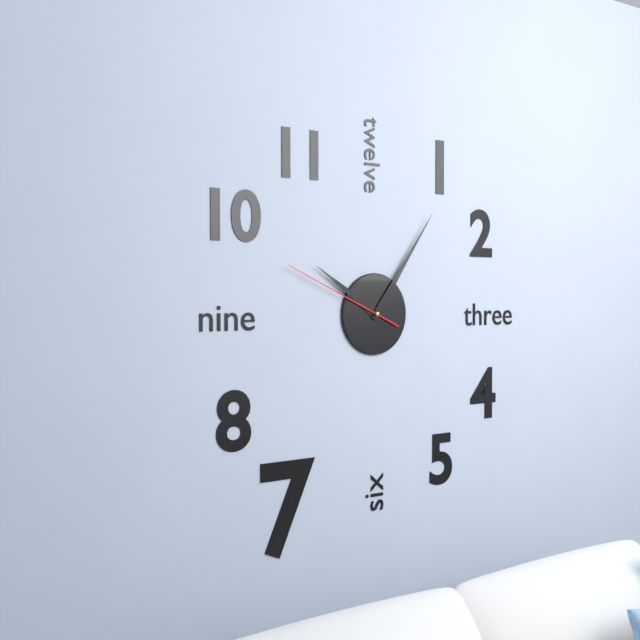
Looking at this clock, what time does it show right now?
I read 10:06:49
